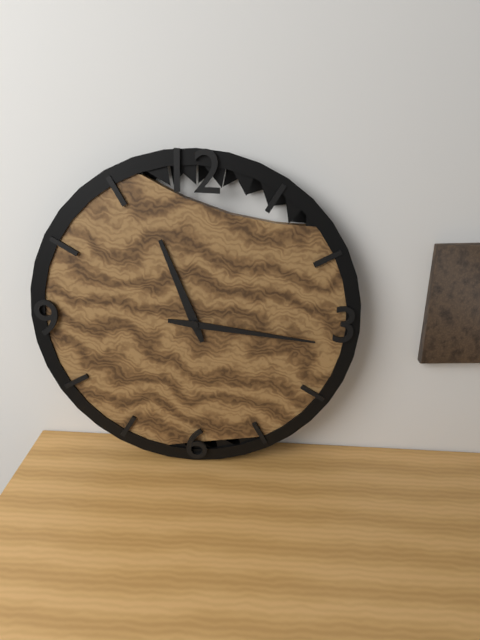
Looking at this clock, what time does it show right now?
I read 11:16
